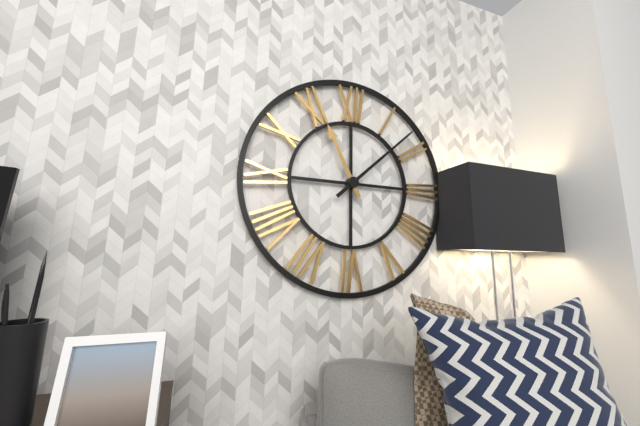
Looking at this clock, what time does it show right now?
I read 11:08
